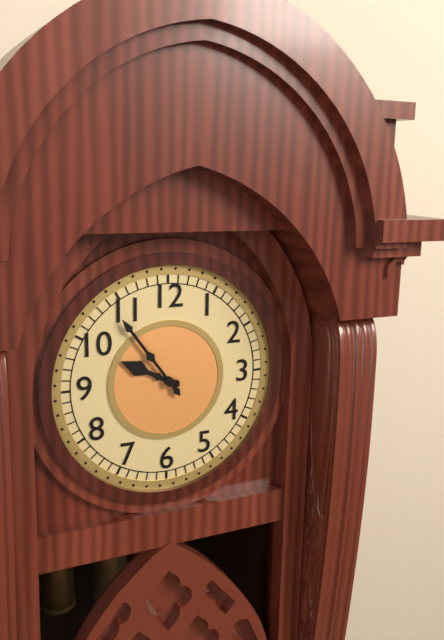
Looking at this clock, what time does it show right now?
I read 9:54
